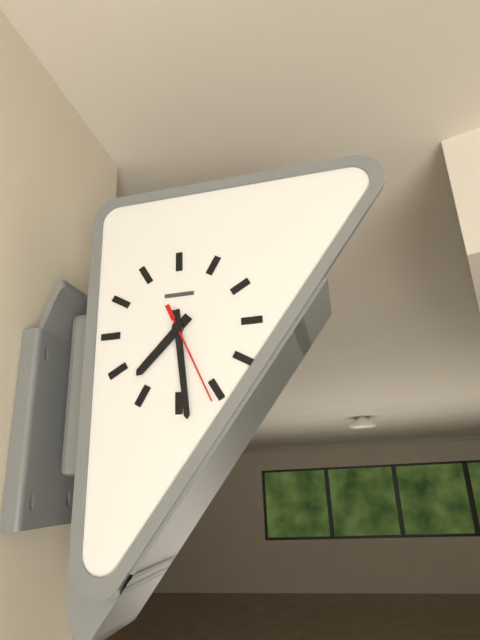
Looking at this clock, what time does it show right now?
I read 7:29:26
